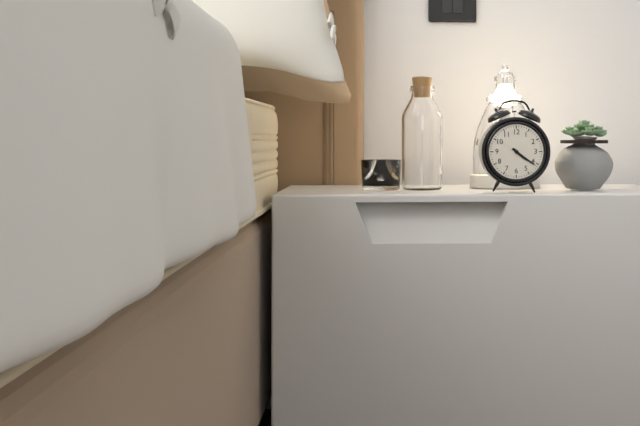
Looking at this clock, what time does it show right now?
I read 4:21
